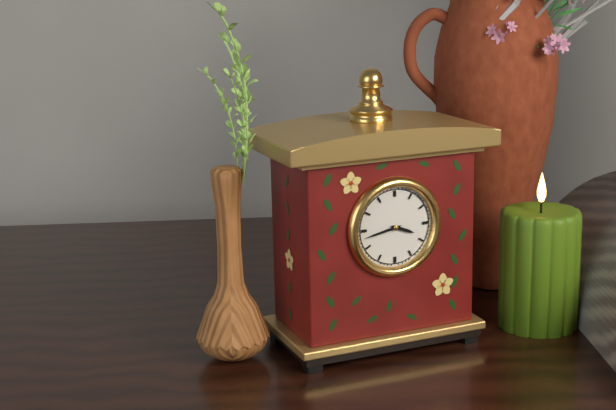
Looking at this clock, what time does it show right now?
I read 3:43
